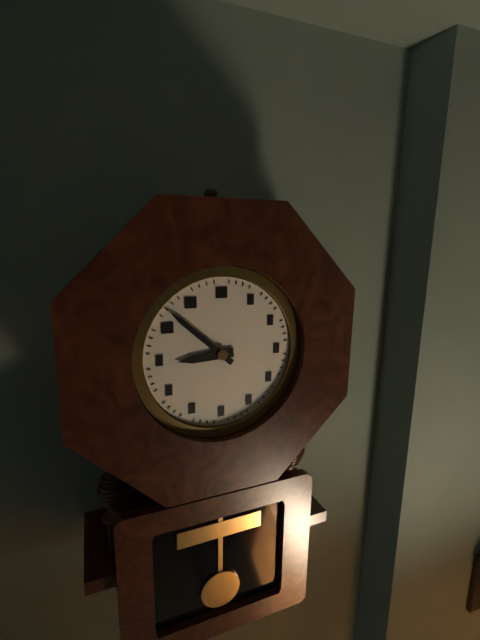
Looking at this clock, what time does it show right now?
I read 8:52
